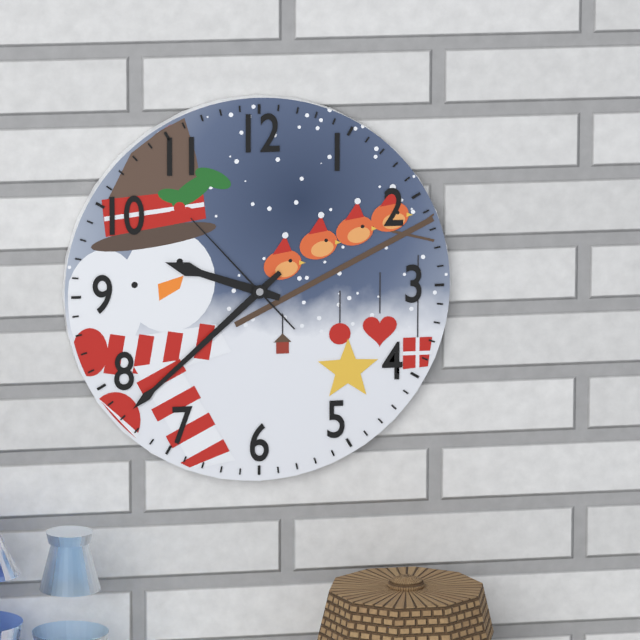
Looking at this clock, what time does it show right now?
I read 9:38:53
